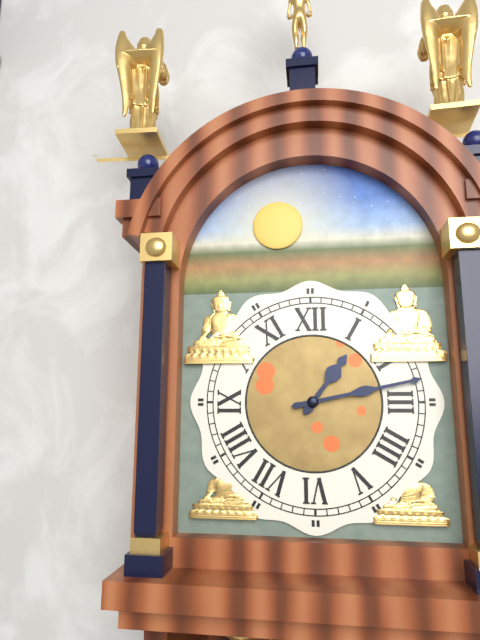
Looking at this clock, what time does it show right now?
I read 1:13
